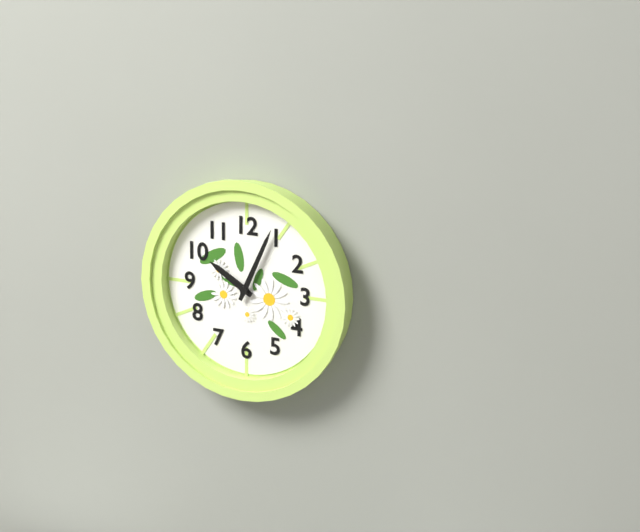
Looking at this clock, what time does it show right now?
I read 10:04
